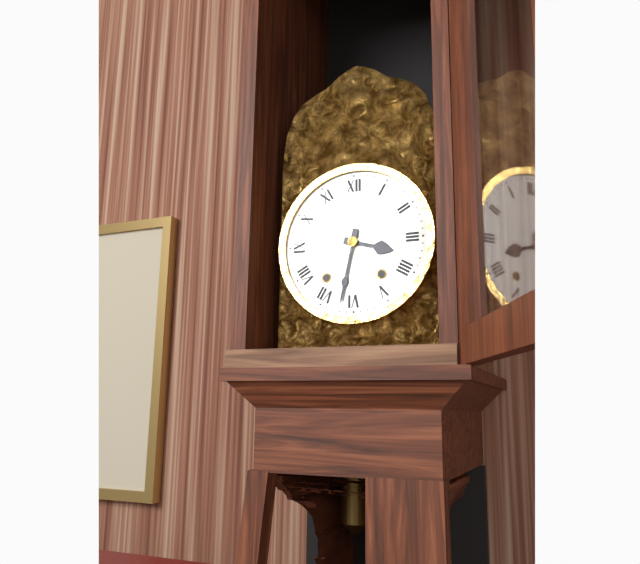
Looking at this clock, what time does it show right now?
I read 3:32
